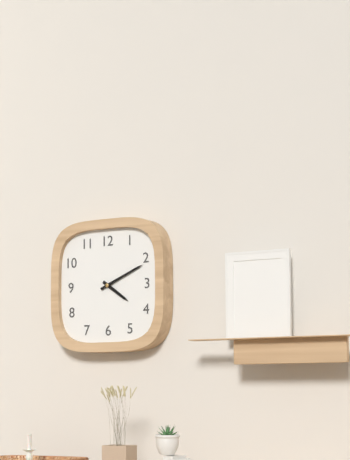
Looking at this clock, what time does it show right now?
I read 4:11
